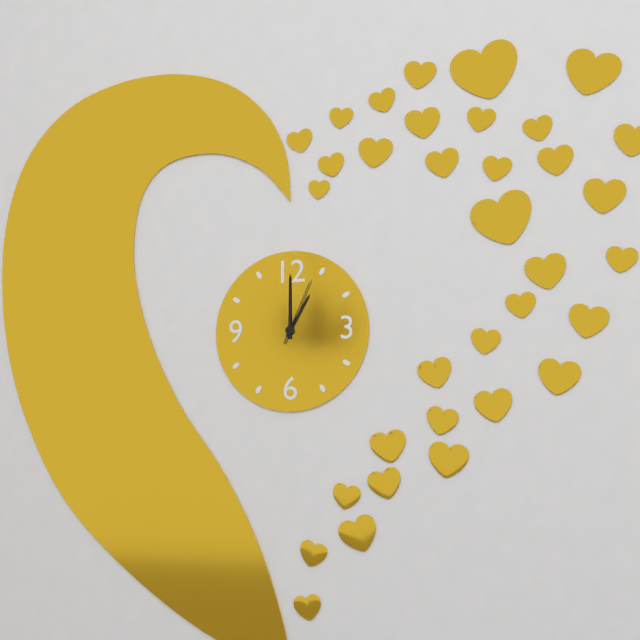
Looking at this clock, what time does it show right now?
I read 1:00:04
